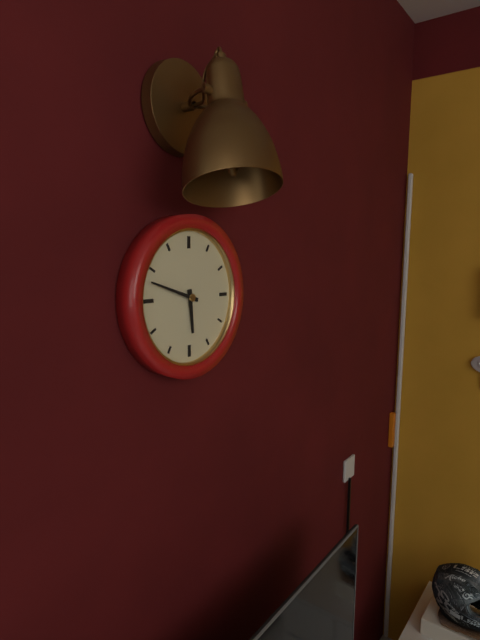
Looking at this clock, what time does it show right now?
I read 5:48
